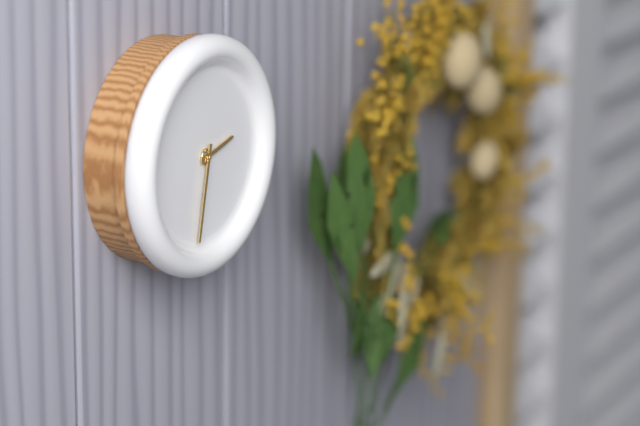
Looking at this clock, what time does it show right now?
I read 2:32
